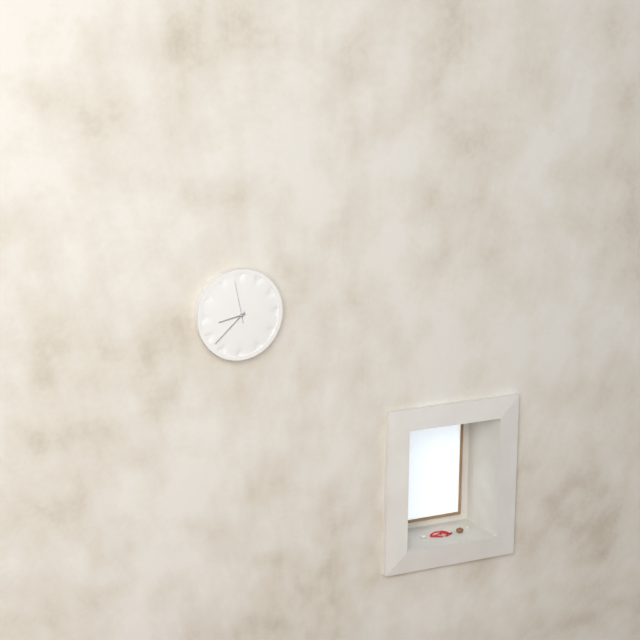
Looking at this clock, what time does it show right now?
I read 8:38
